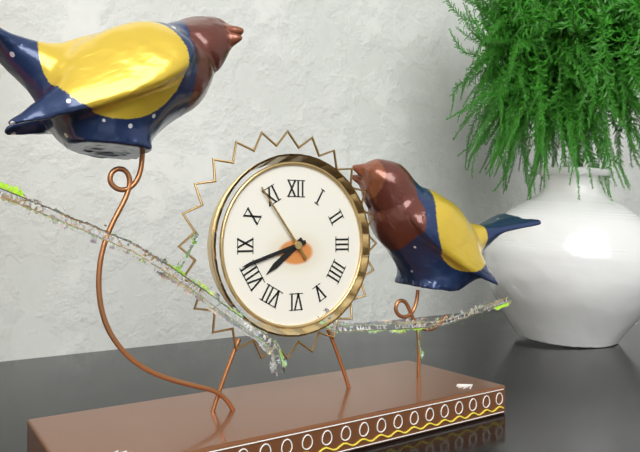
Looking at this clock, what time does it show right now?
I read 7:42:54
